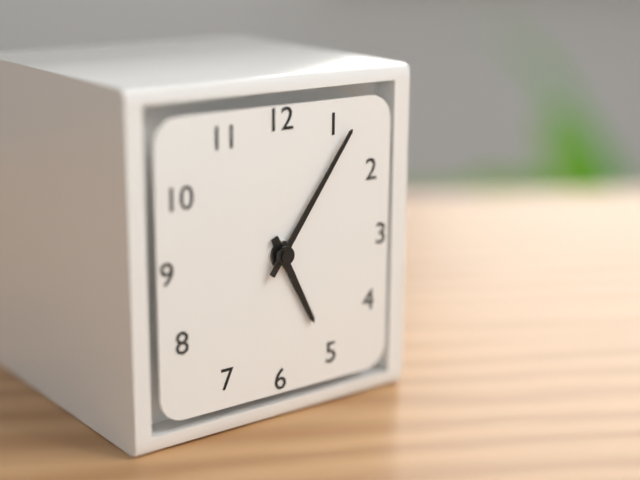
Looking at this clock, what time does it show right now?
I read 5:06
